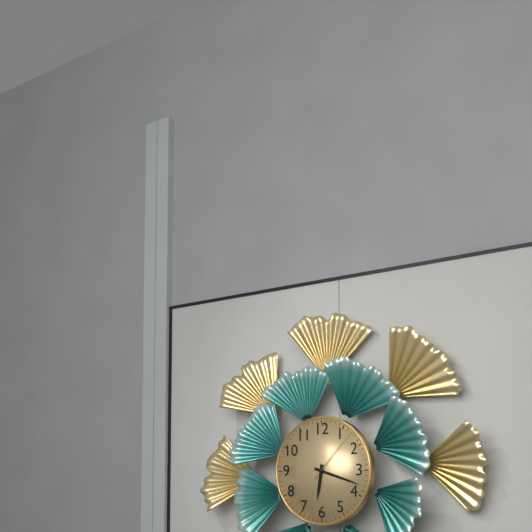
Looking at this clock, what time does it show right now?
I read 6:18:07
